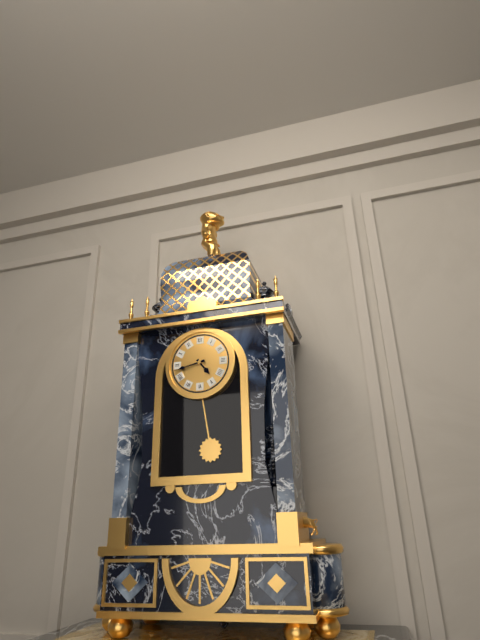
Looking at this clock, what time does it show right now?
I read 4:43
